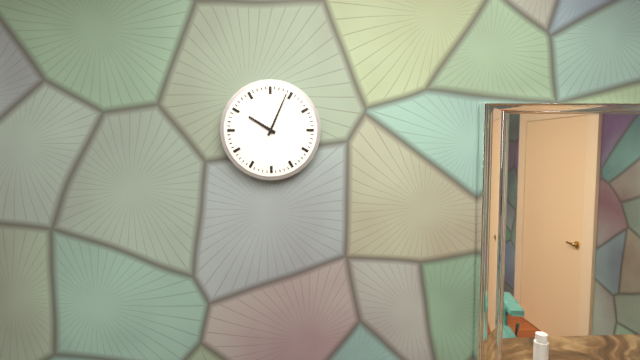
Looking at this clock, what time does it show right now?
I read 10:04
